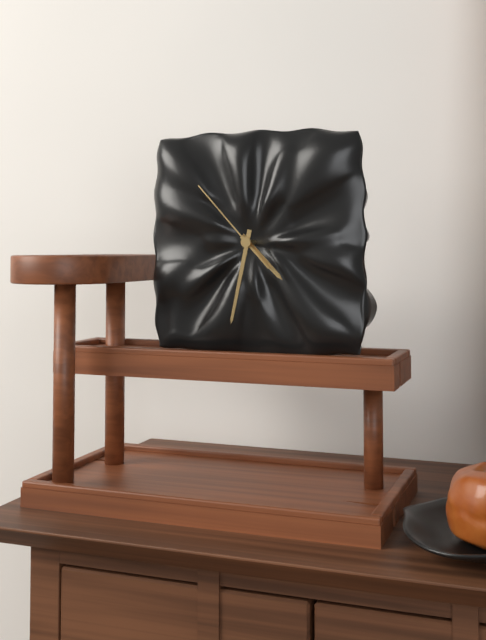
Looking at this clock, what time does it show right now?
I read 4:32:53
